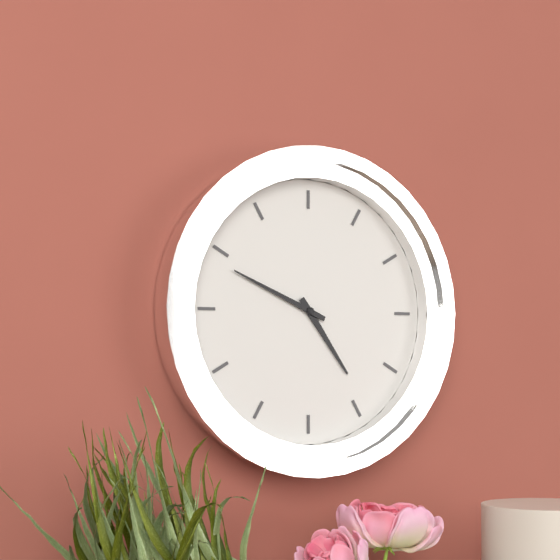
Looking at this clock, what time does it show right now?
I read 4:49
